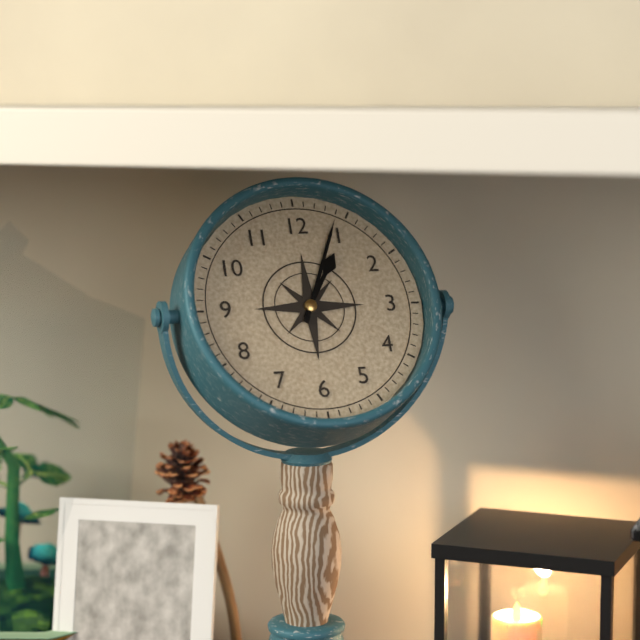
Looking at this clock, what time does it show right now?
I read 1:04
